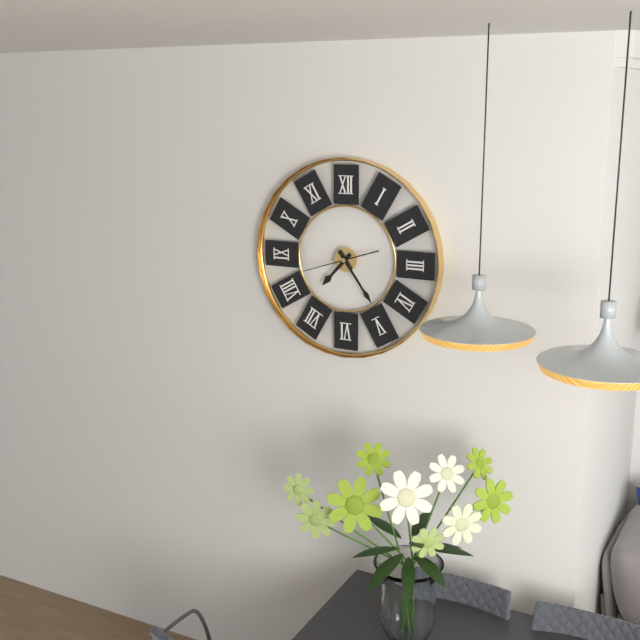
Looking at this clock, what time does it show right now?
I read 7:24:42
